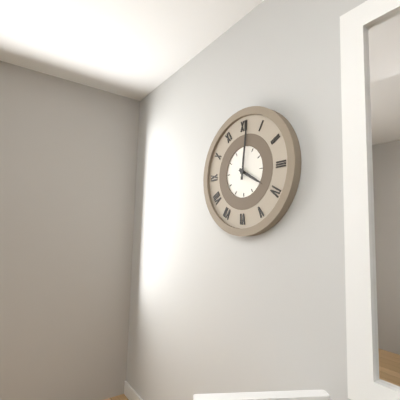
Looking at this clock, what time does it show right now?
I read 4:01
